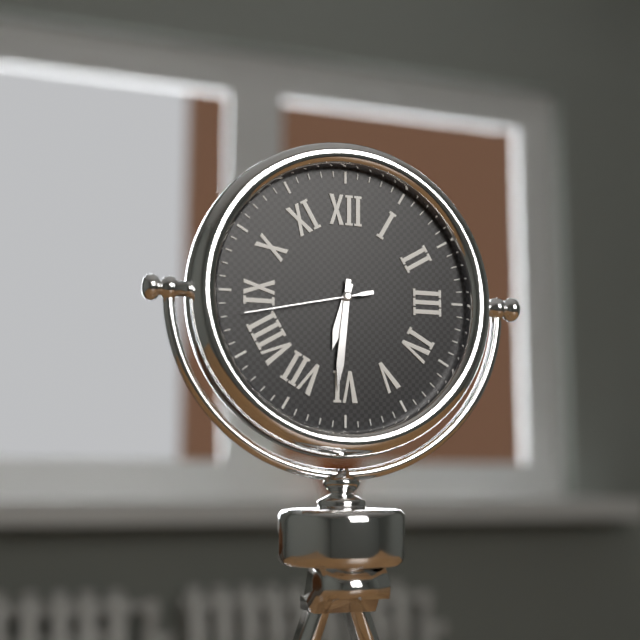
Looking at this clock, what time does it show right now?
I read 6:31:43
